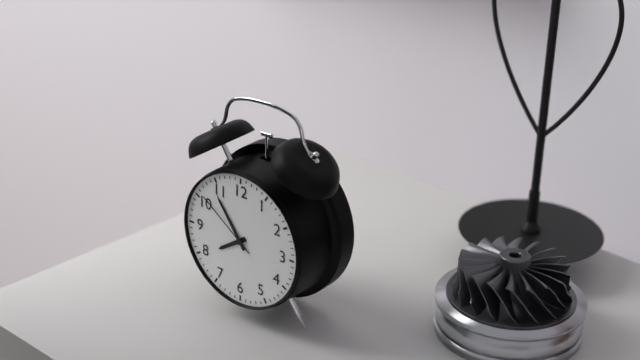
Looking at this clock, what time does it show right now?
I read 7:54:51
